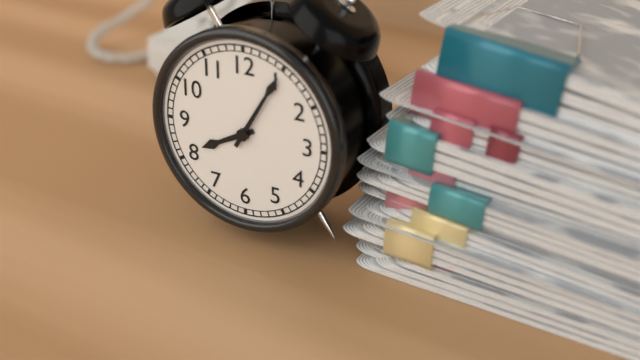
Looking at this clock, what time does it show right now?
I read 8:05
